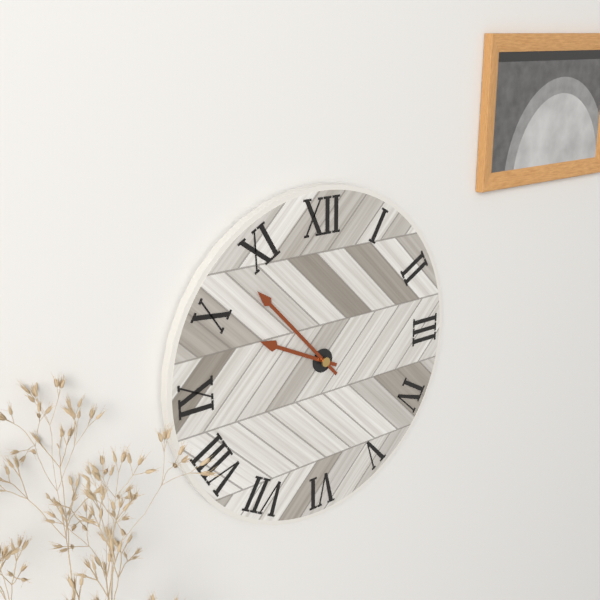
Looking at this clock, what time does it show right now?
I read 9:53
